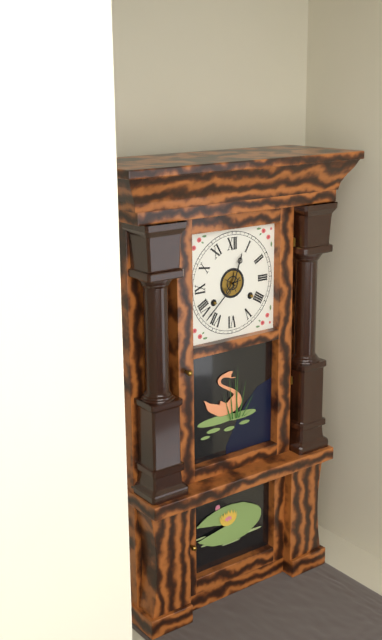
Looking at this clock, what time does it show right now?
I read 12:38
